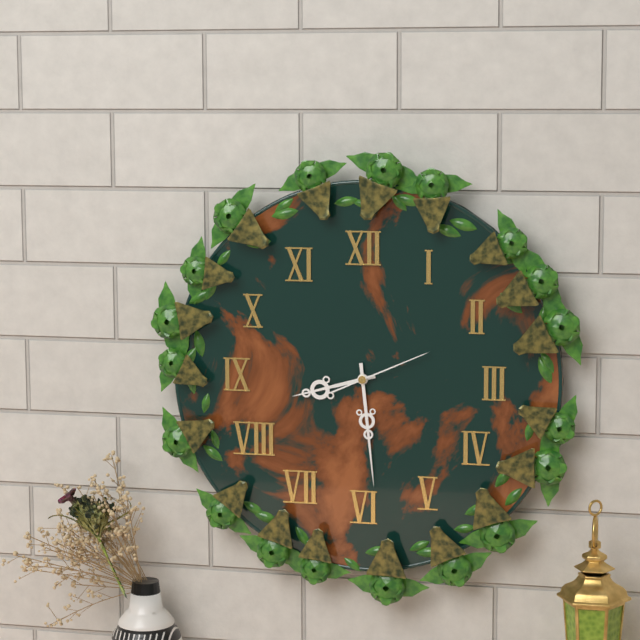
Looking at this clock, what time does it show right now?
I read 8:29:11
